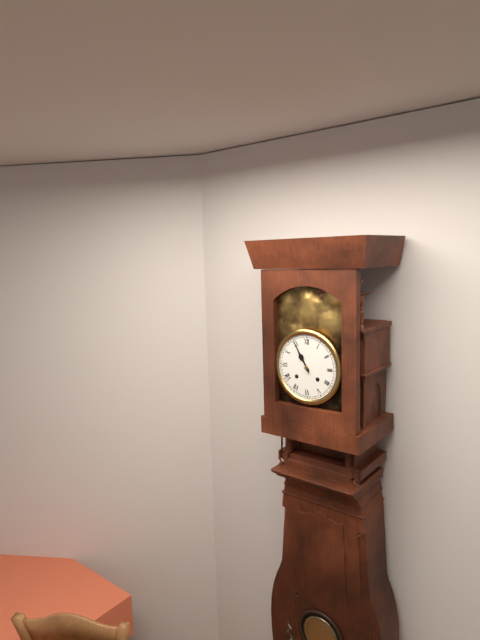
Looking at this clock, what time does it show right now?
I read 10:55
